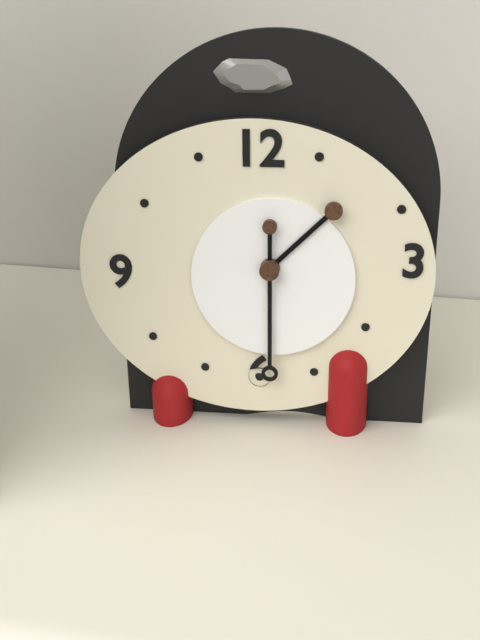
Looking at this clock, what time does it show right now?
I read 1:30
